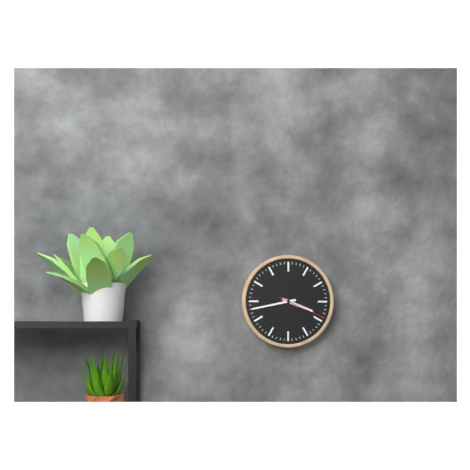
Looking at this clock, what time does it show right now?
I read 3:43:19
